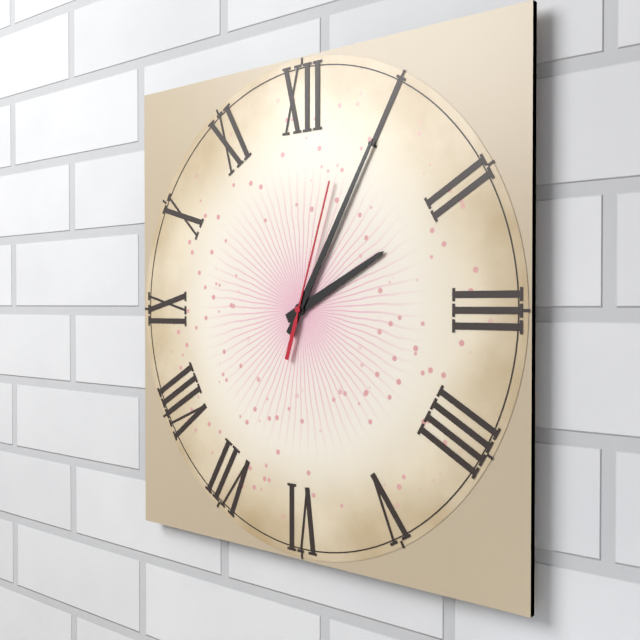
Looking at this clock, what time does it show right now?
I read 2:05:03
